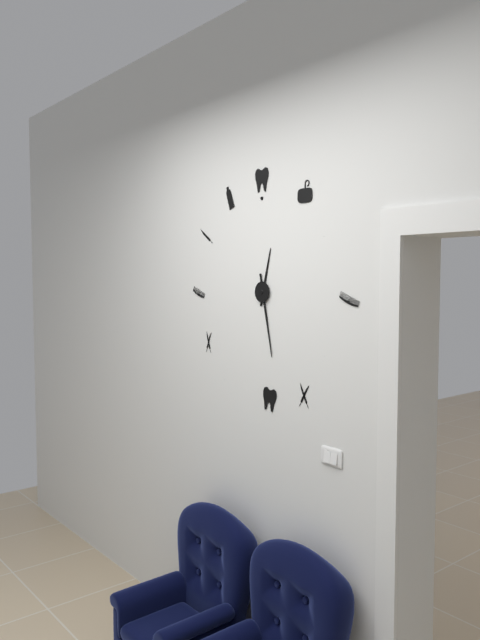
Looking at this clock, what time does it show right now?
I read 12:28
